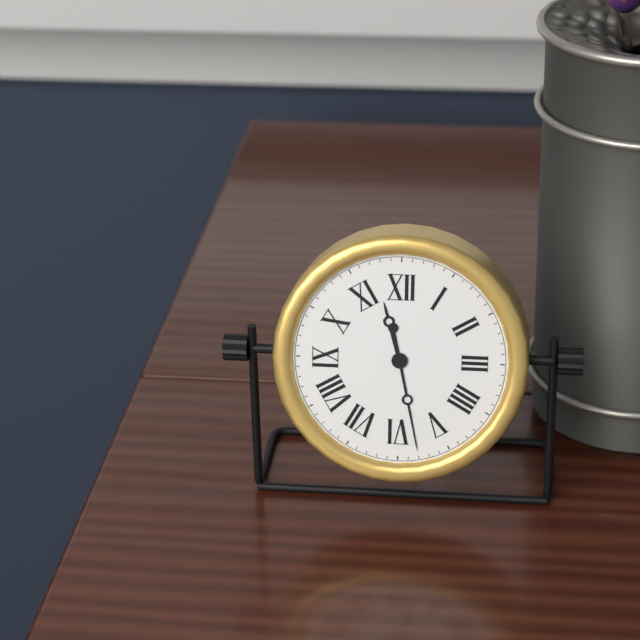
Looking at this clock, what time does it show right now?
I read 11:28
